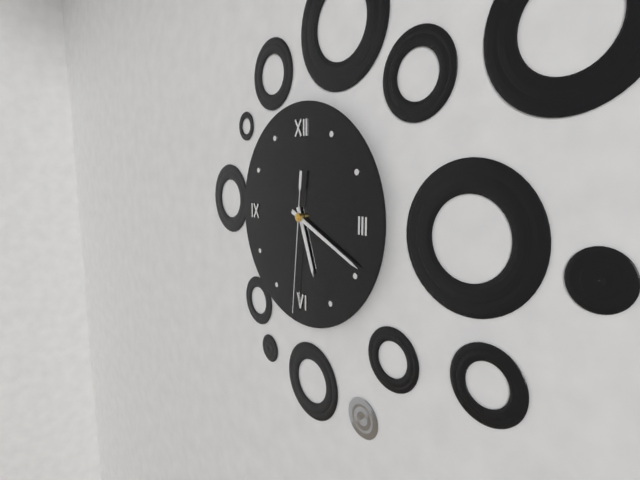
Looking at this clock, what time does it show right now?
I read 5:19:31
